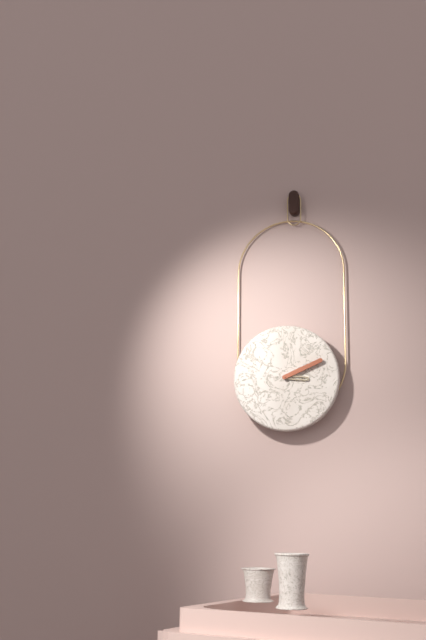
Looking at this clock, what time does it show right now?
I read 3:11
